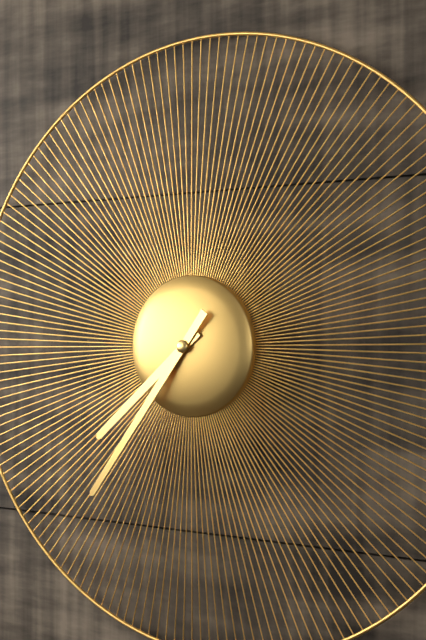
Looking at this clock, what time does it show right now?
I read 7:36
